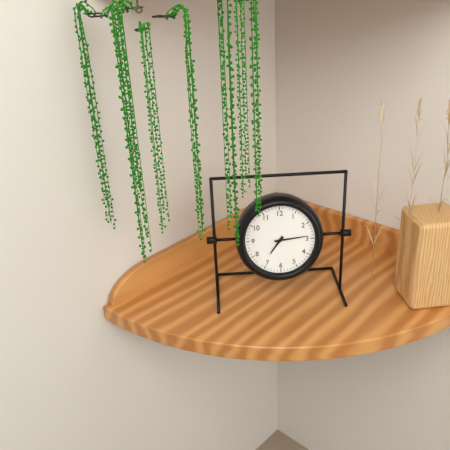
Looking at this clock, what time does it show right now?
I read 7:14
